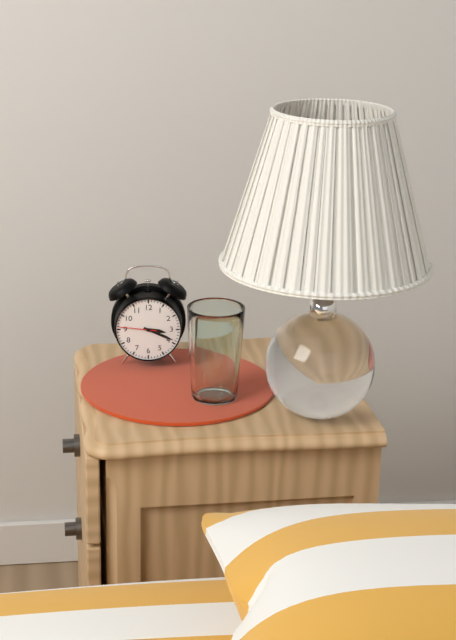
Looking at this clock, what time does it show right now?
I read 3:19
